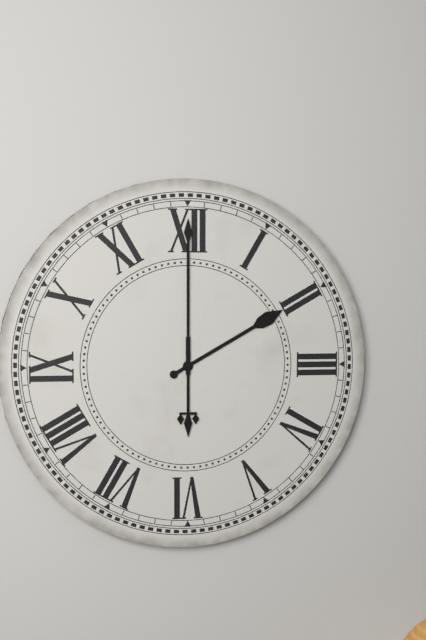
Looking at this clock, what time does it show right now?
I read 2:00
